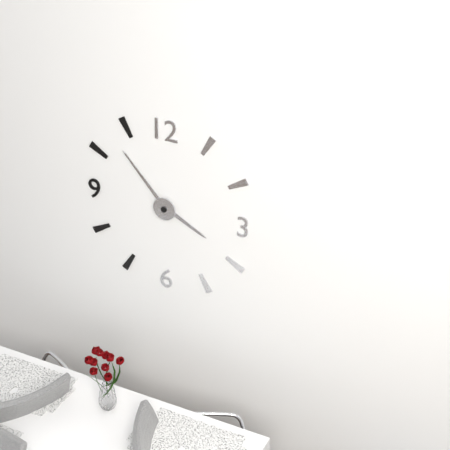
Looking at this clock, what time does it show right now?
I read 3:53
